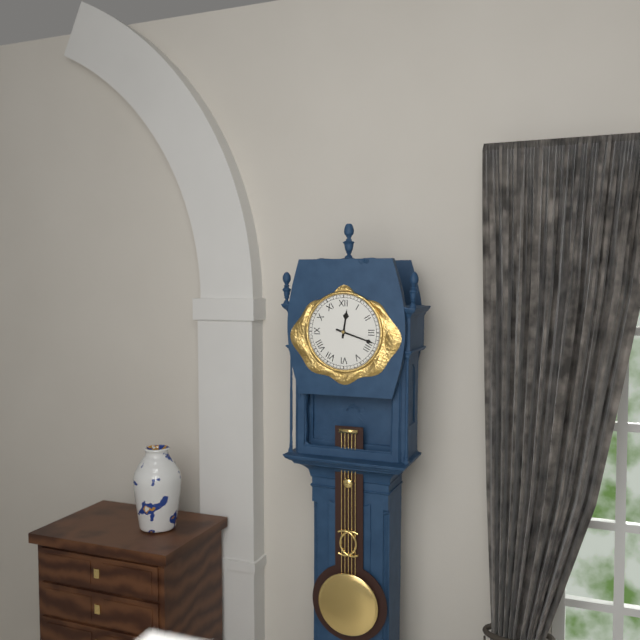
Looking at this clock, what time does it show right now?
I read 12:18
